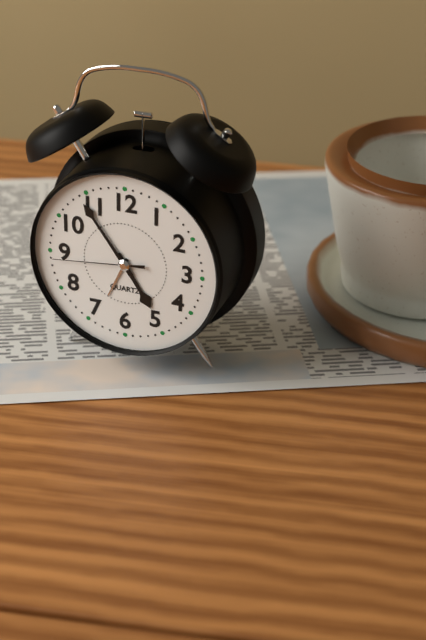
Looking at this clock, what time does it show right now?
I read 4:54:44
